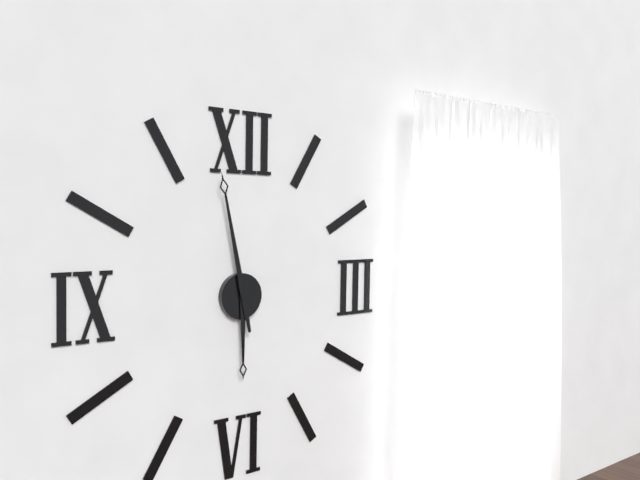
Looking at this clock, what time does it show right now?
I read 5:58
